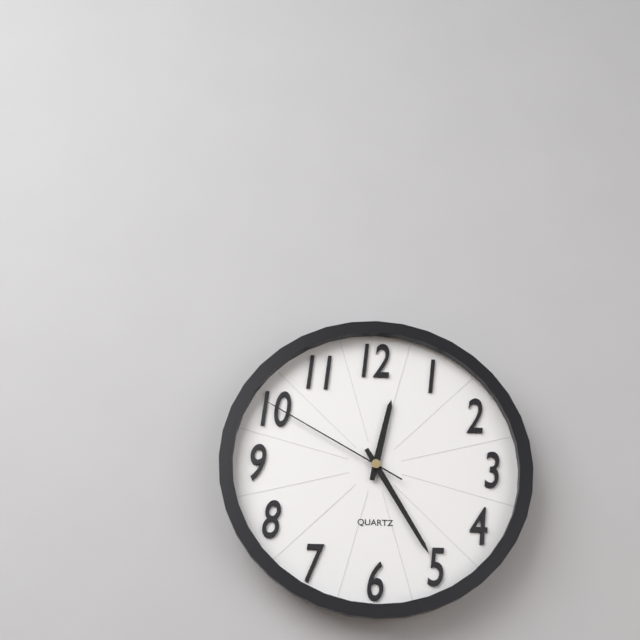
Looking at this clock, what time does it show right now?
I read 12:25:50
